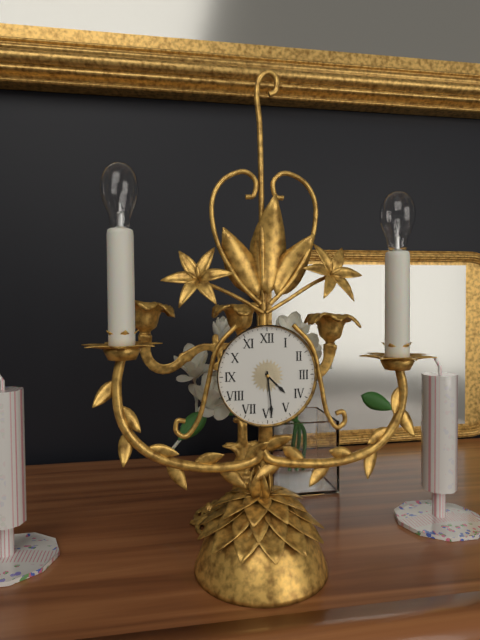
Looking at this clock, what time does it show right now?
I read 4:29
